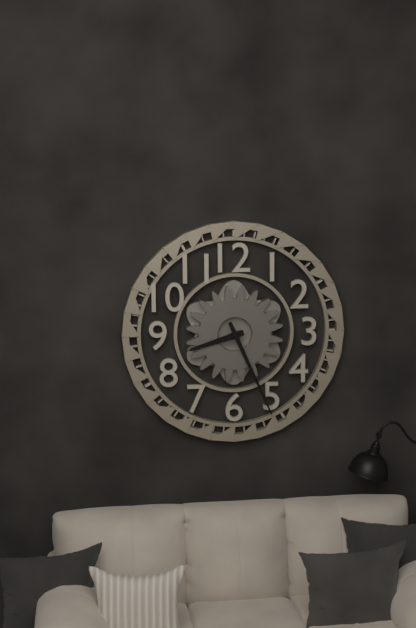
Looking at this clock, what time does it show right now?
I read 8:26
